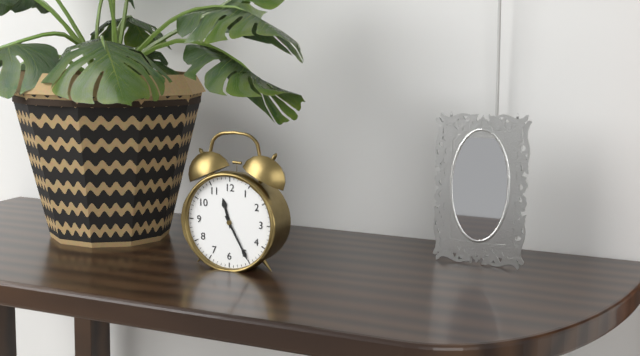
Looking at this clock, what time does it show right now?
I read 11:25
